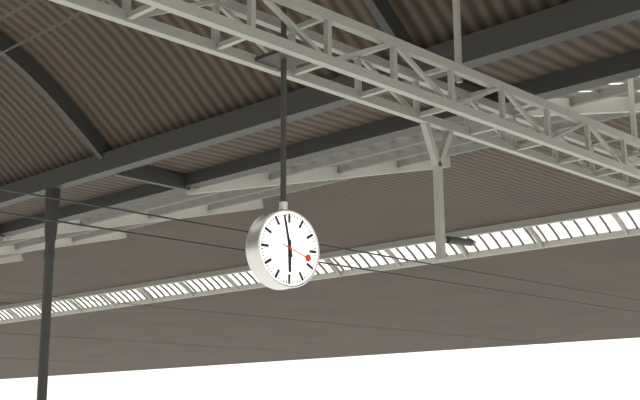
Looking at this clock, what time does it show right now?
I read 5:58
